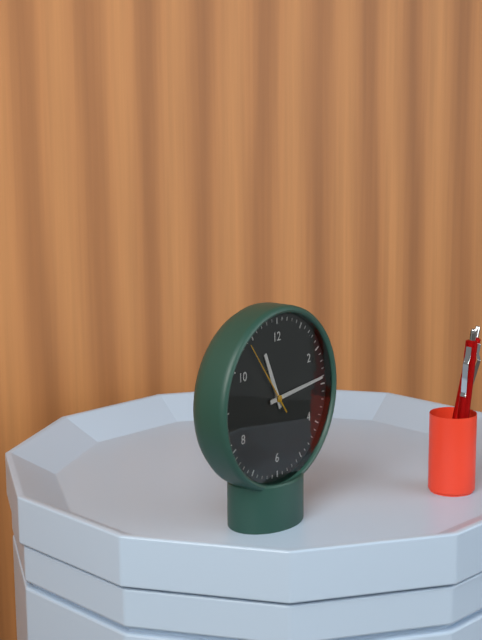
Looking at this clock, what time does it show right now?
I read 11:14:54
